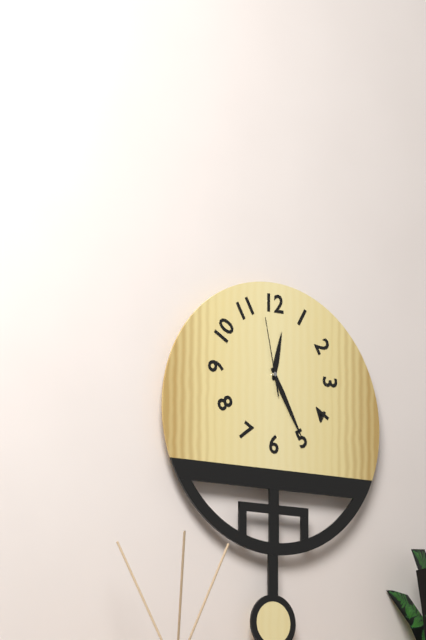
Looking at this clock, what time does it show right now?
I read 12:25:58
